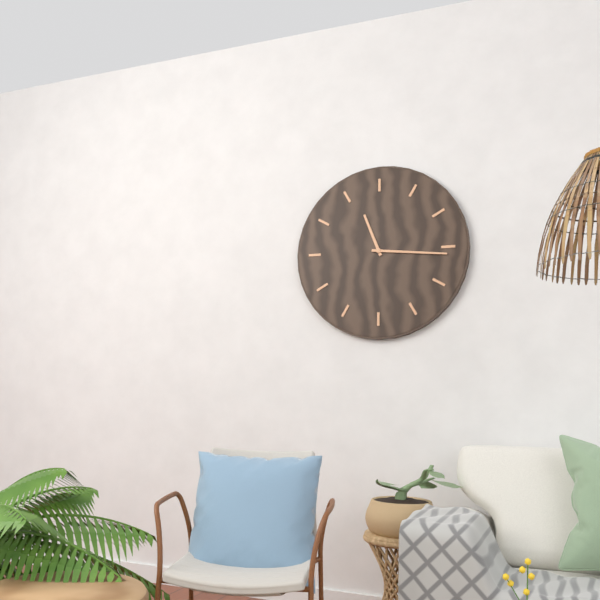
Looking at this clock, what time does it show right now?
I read 11:16
